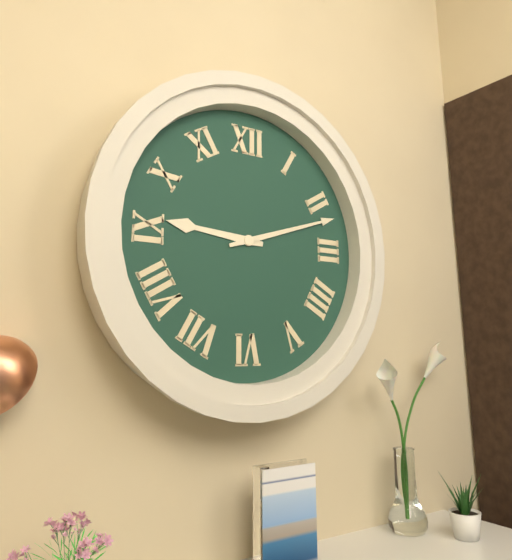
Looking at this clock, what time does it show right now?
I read 9:12
